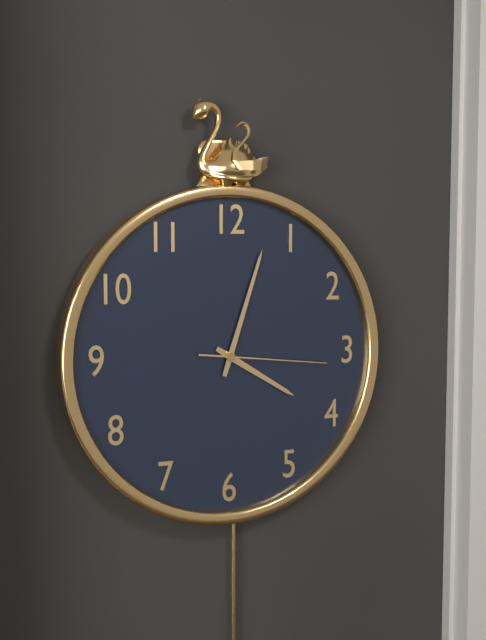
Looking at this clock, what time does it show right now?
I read 4:03:16
